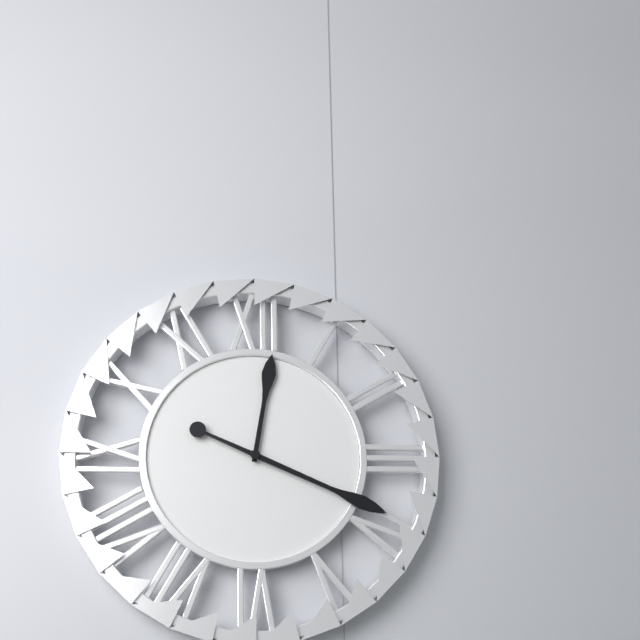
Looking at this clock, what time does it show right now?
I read 12:19
